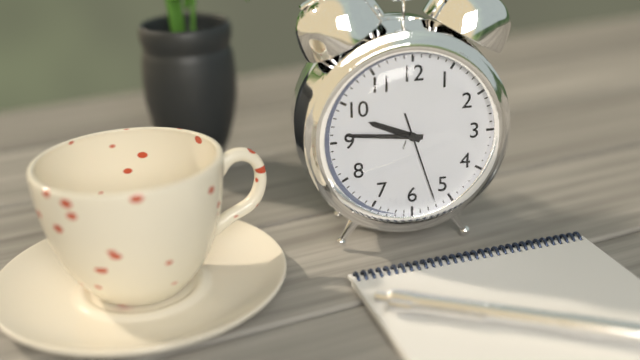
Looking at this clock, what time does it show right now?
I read 9:46:27
